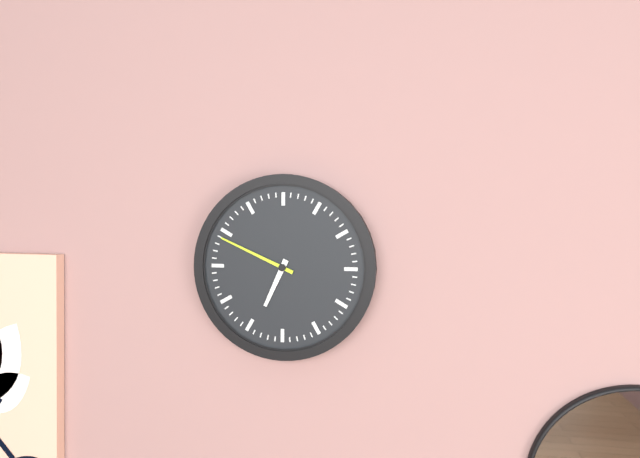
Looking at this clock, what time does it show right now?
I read 6:49
